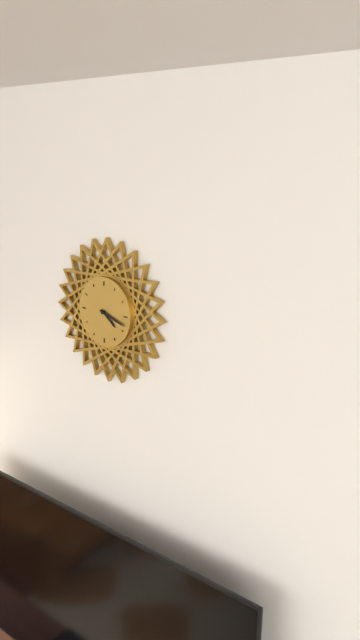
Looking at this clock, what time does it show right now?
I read 4:18
